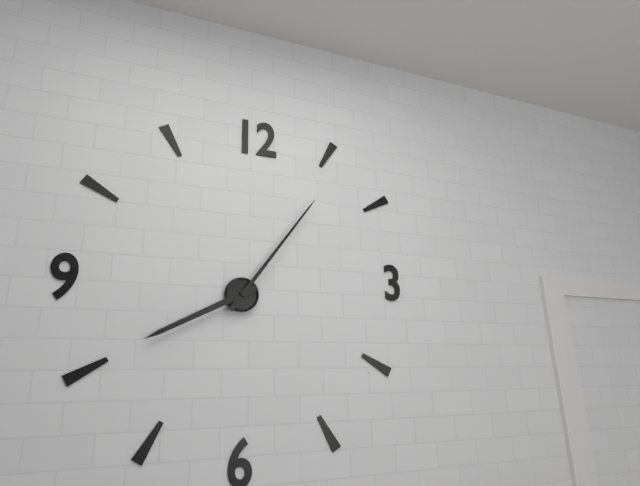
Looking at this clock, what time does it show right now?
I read 8:06
